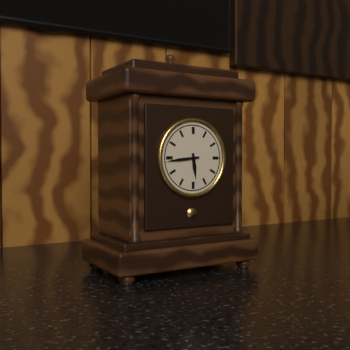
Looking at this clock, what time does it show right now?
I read 5:44
